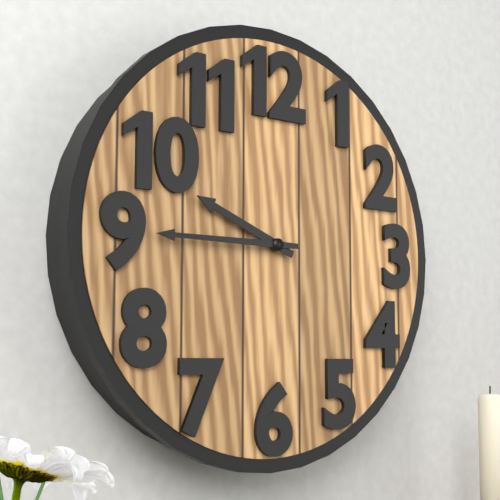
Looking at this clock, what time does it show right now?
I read 9:45
